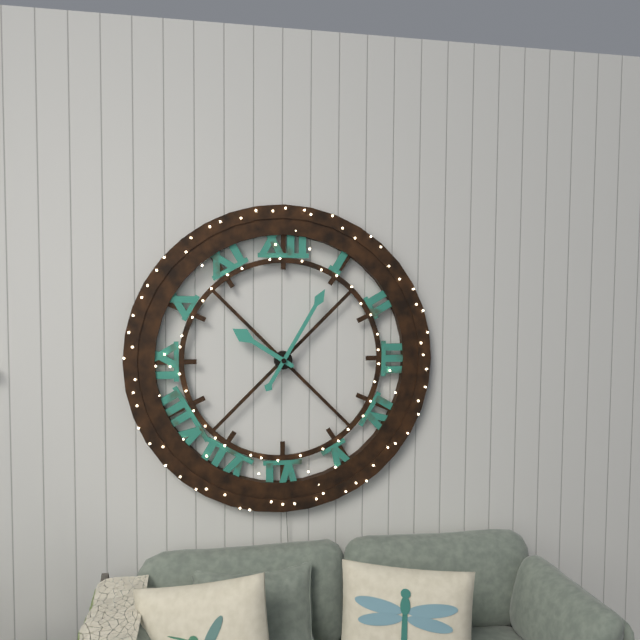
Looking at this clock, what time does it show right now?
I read 10:05
